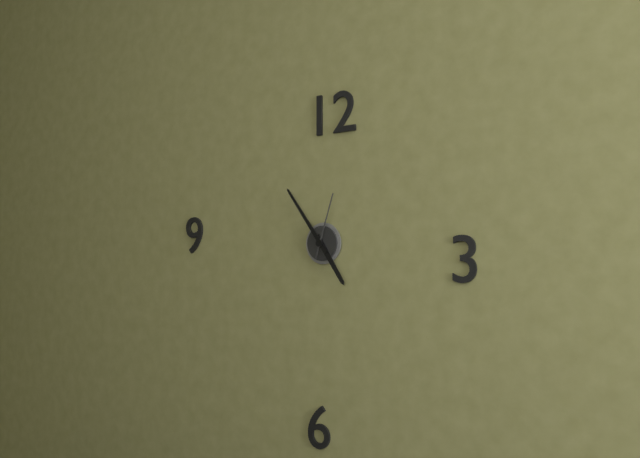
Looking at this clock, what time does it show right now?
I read 4:54:03
